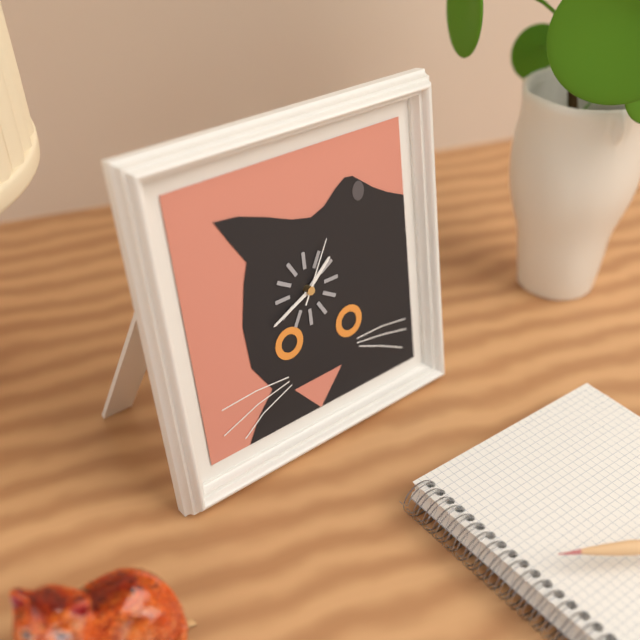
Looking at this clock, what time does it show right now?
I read 1:41:05
